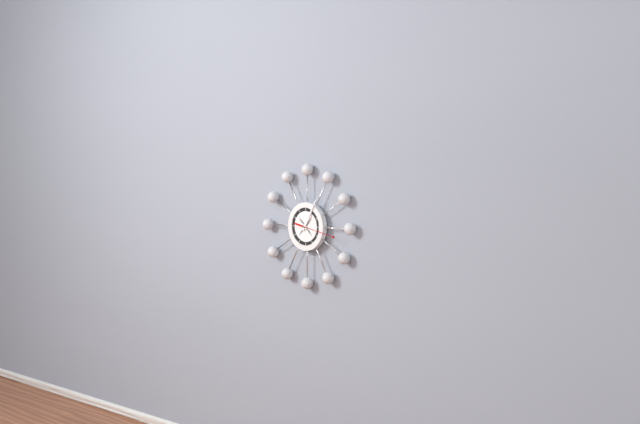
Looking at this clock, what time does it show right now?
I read 10:05
